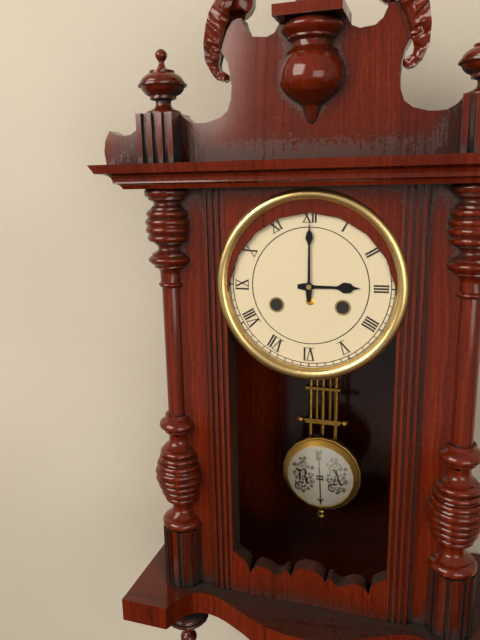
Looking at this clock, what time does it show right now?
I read 3:00
